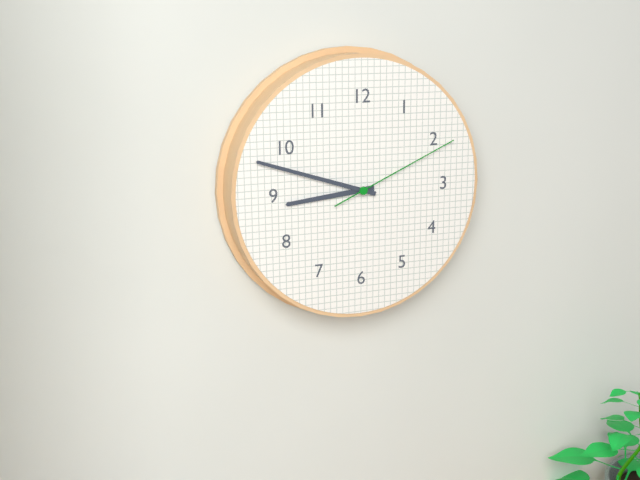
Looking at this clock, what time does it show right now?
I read 8:48:11
